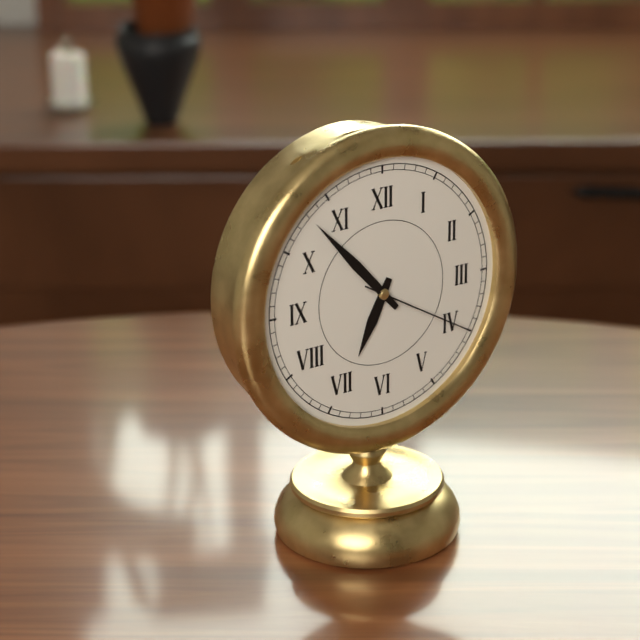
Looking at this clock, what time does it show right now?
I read 6:53:20
